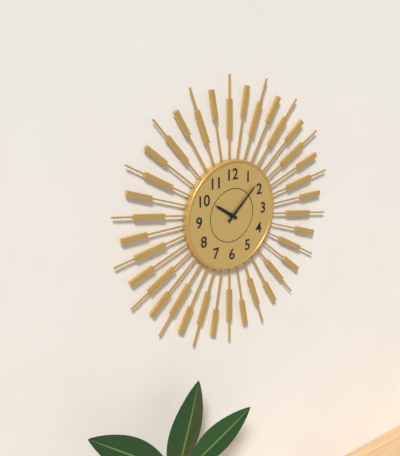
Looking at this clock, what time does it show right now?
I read 10:08
